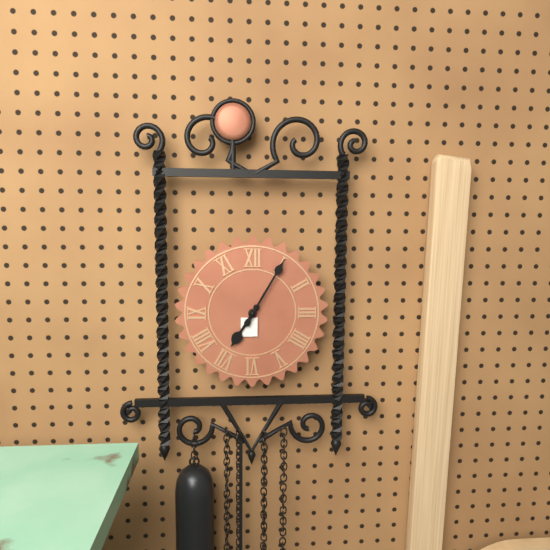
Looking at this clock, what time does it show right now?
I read 7:05
